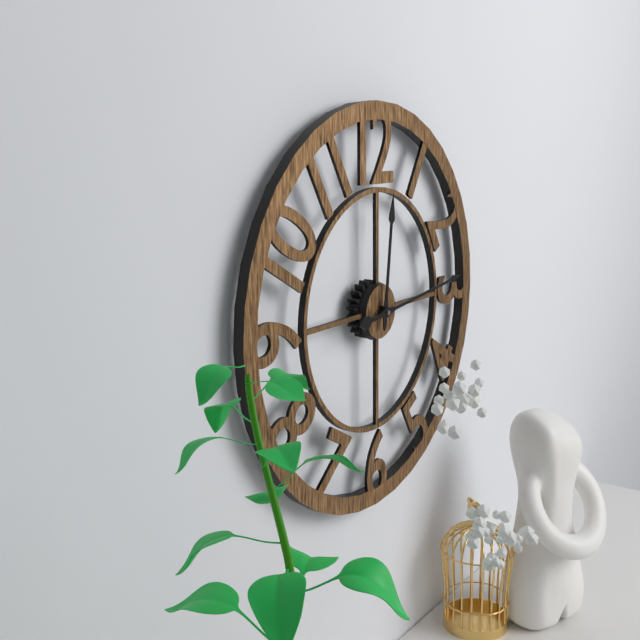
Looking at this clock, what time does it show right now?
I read 12:14
